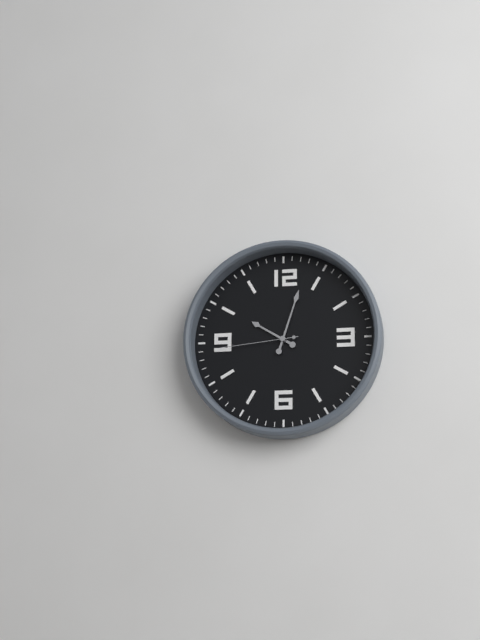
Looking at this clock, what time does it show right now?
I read 10:03:44
